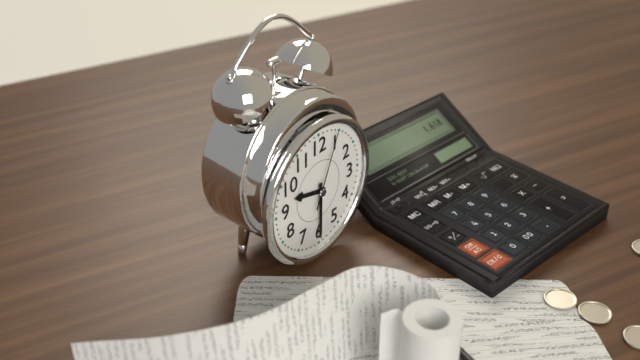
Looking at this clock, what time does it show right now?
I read 9:30:04
